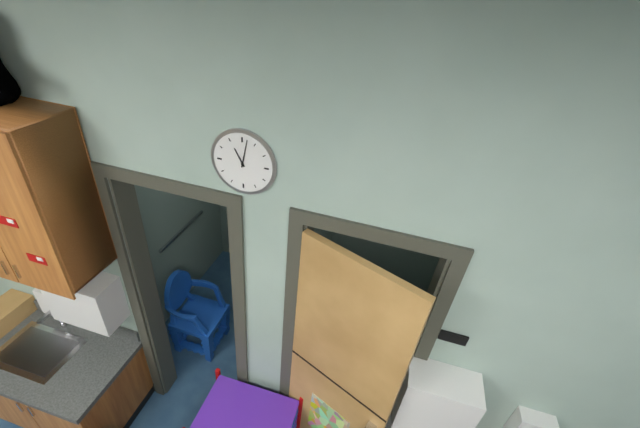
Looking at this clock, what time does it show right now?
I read 11:02
